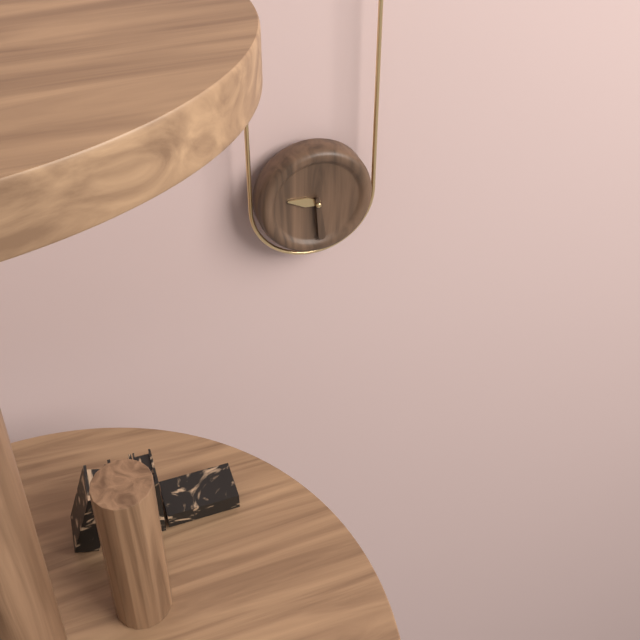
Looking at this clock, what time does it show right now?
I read 9:29
